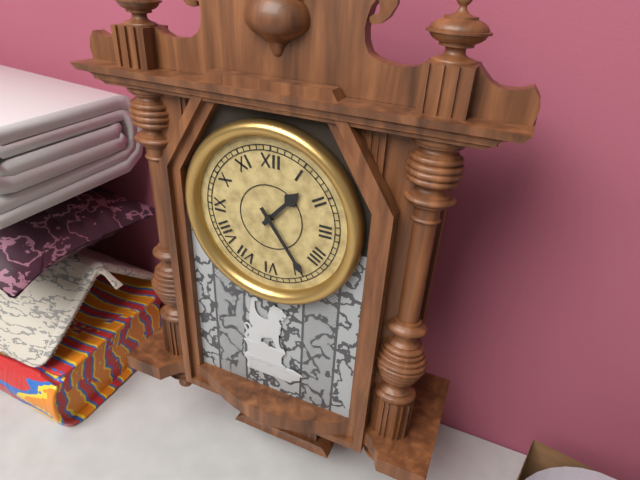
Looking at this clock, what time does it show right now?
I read 1:24
